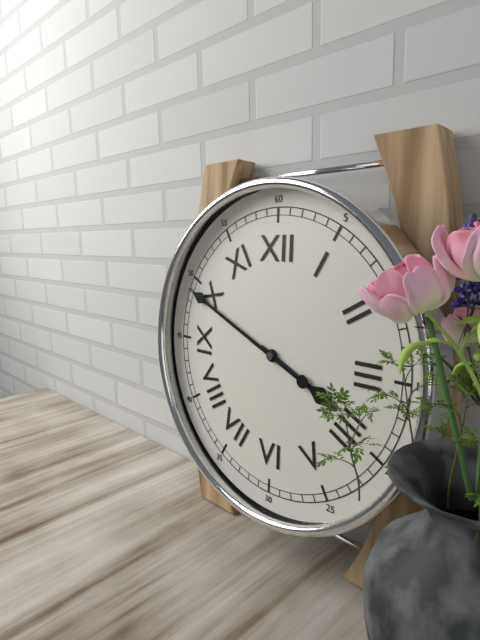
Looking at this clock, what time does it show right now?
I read 3:49
